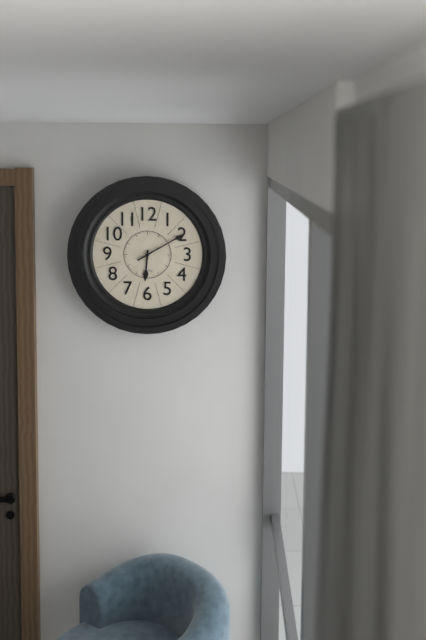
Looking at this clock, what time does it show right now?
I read 6:10
